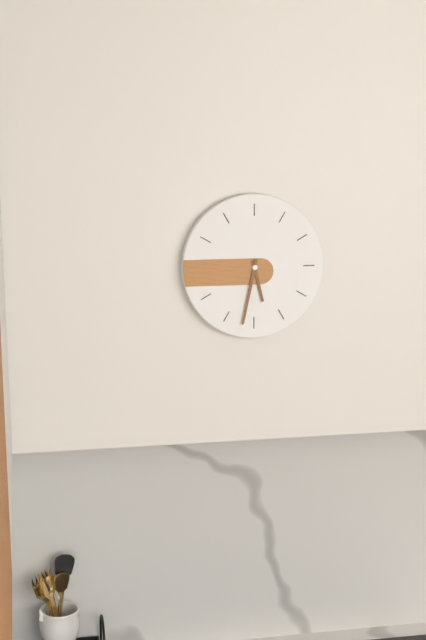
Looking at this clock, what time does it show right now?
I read 5:32
